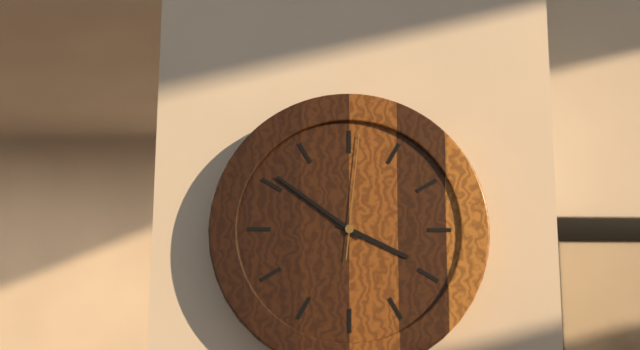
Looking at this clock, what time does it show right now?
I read 3:51:01
